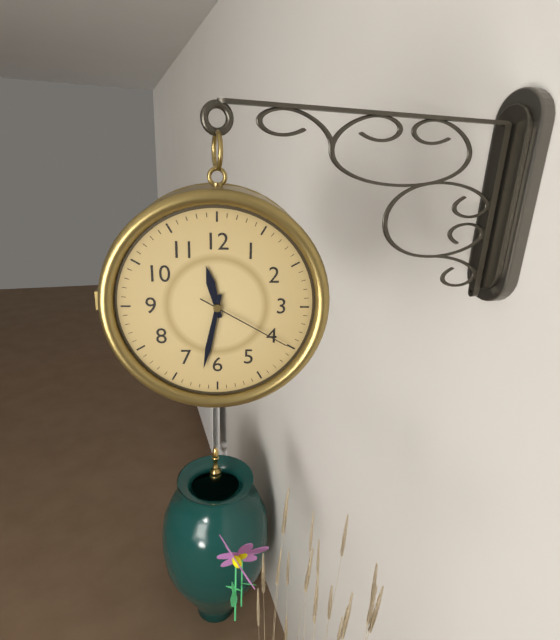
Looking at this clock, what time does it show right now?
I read 11:32:20
